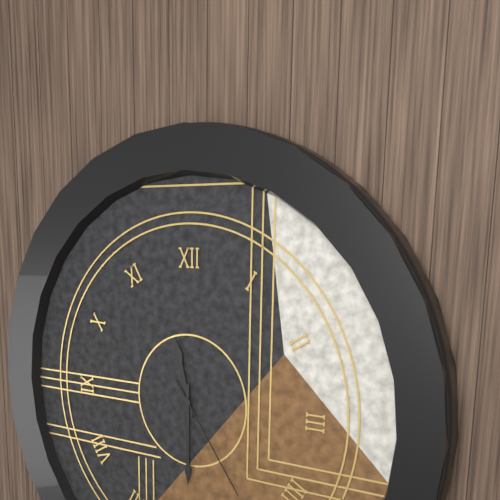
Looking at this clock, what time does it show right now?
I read 11:30:24
